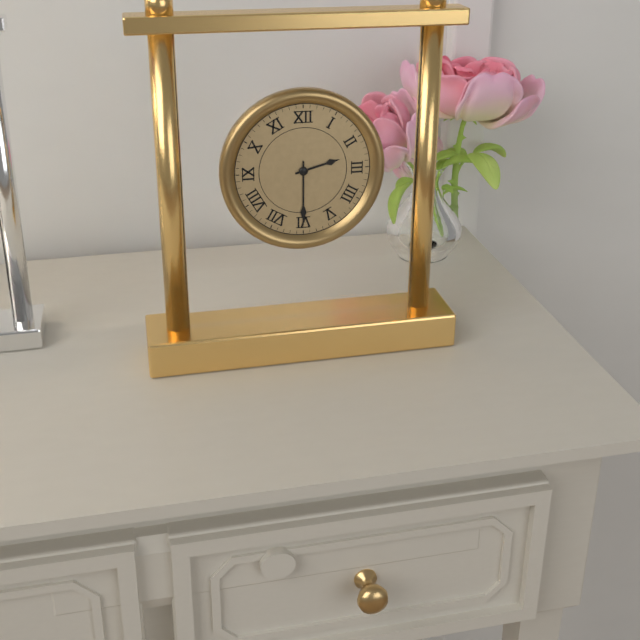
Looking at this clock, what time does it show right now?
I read 2:30
